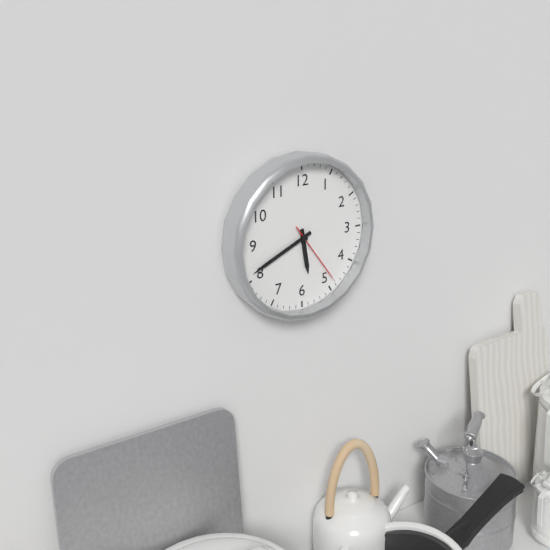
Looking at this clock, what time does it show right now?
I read 5:41:24
